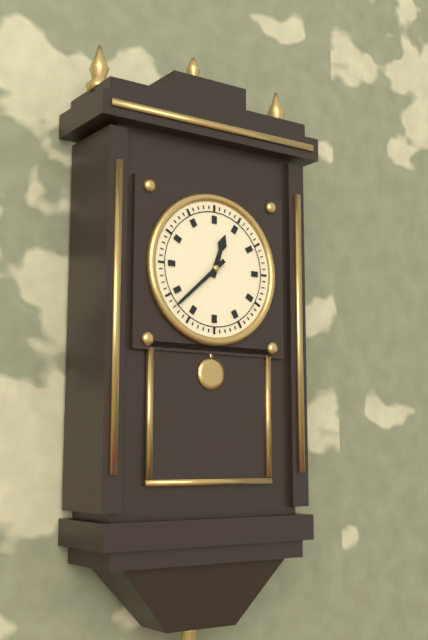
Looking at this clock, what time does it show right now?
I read 12:38
